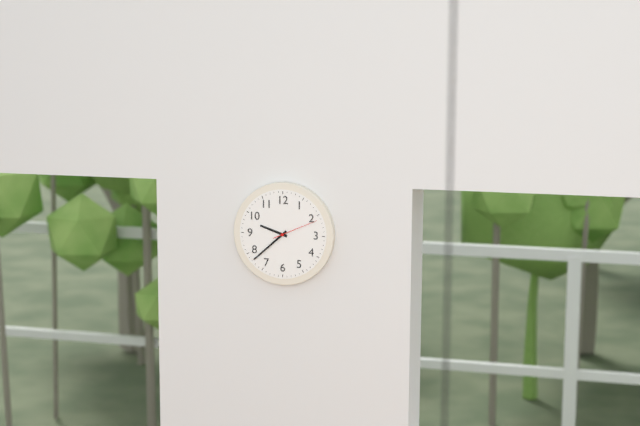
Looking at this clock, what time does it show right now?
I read 9:38
